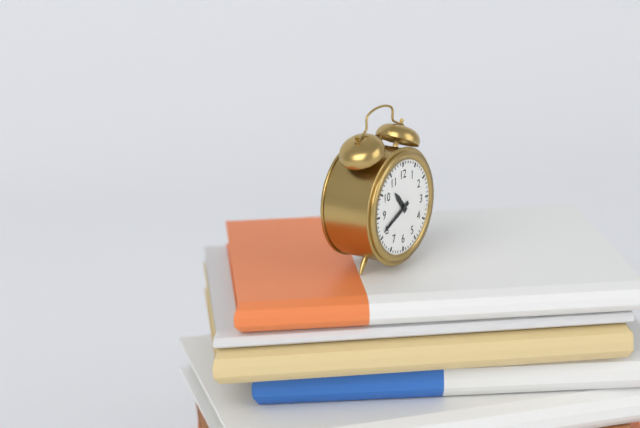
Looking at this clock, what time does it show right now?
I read 10:41
